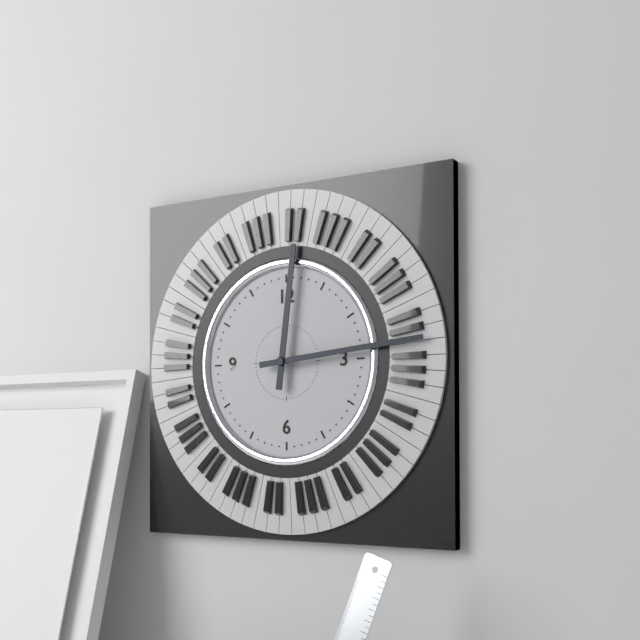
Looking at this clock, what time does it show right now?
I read 12:14
